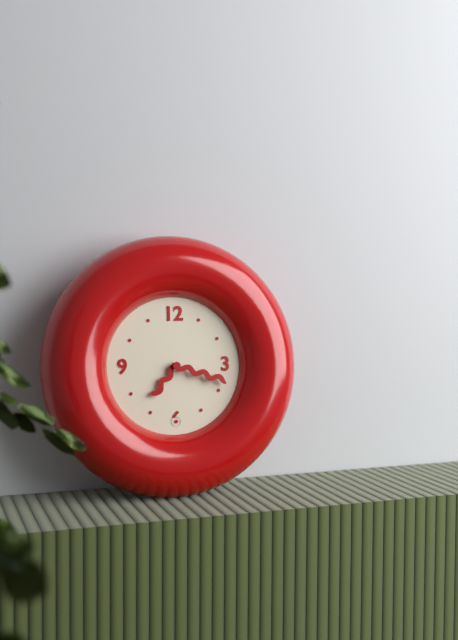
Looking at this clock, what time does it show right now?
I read 7:18
